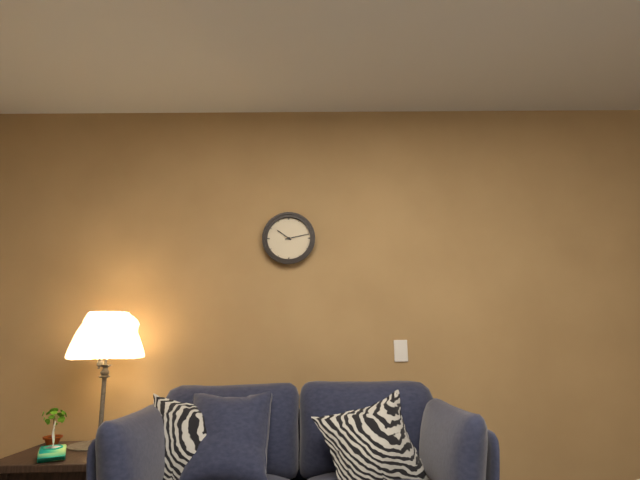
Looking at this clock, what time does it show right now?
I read 10:13
